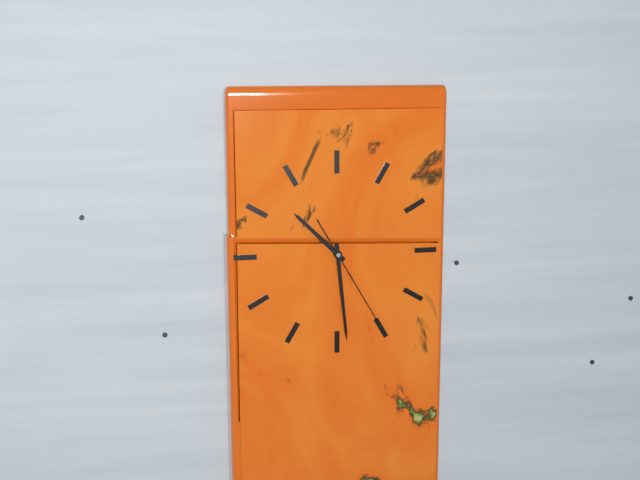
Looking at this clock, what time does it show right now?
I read 10:29:25
